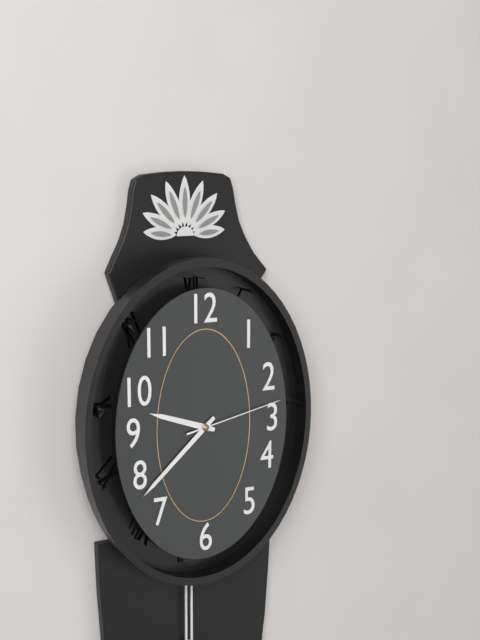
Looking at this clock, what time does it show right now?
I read 9:38:13
